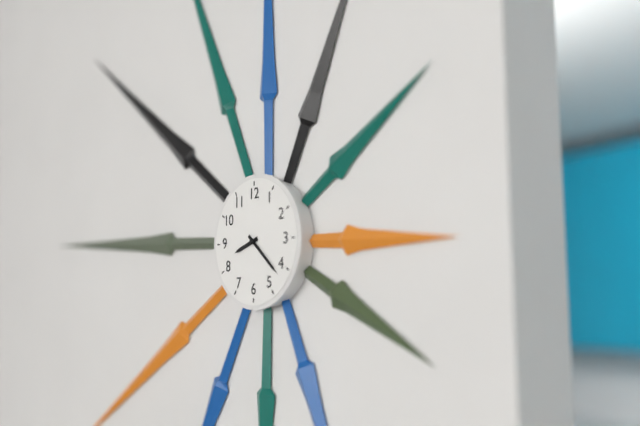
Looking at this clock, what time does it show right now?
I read 8:22
